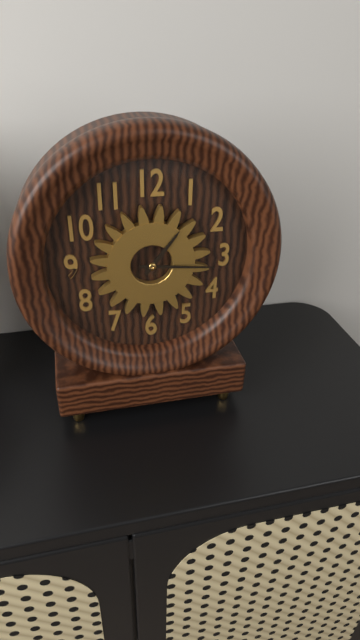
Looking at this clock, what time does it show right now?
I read 1:16
